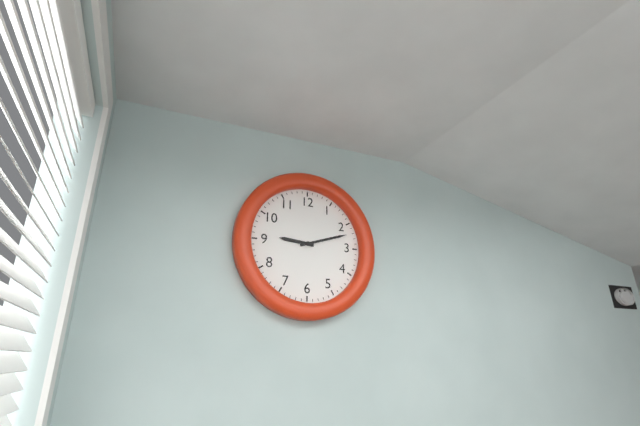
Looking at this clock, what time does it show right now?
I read 9:12
